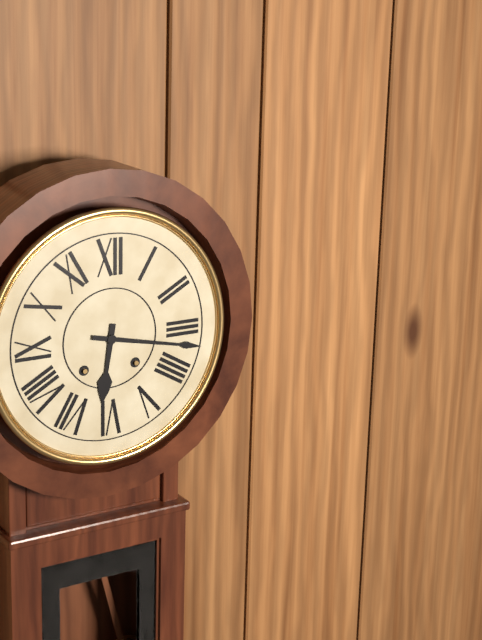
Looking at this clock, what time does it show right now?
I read 6:17
